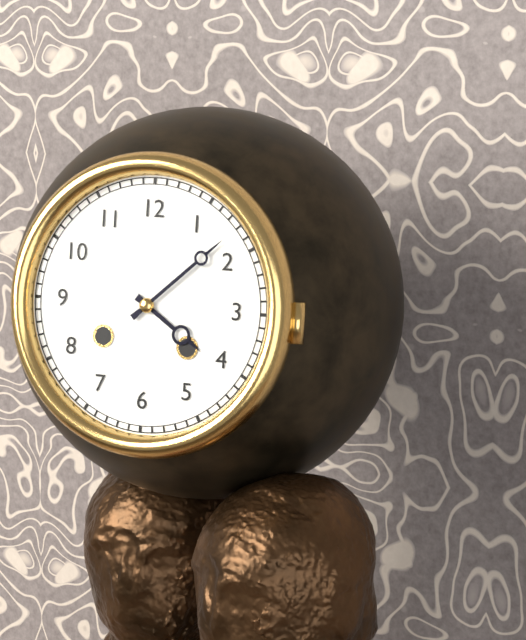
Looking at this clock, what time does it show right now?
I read 4:08
